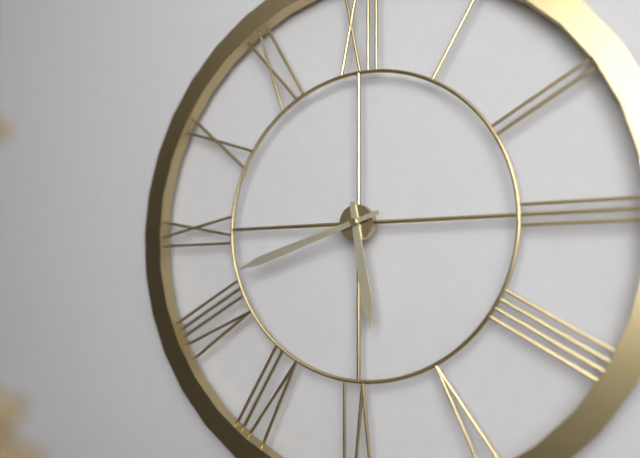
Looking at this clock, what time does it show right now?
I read 5:42
